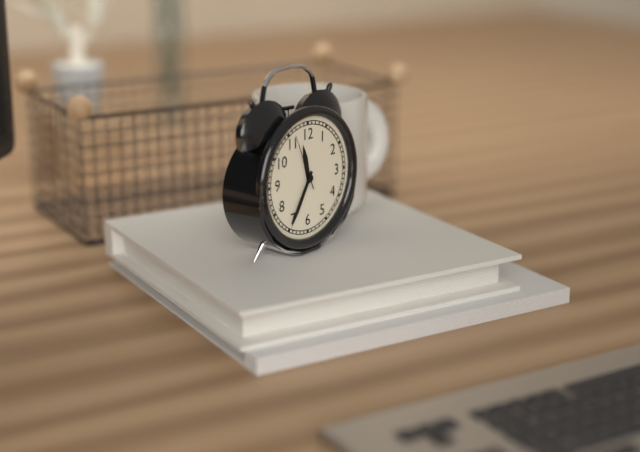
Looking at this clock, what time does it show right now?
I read 11:35:56
